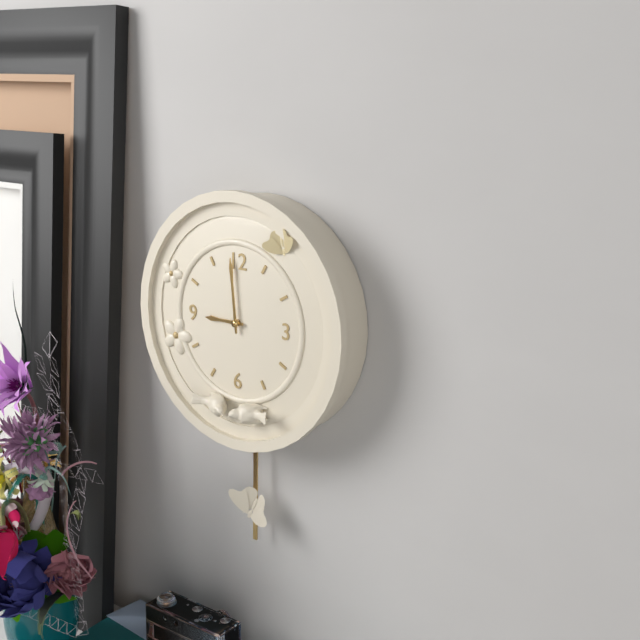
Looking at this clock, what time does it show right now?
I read 8:59
